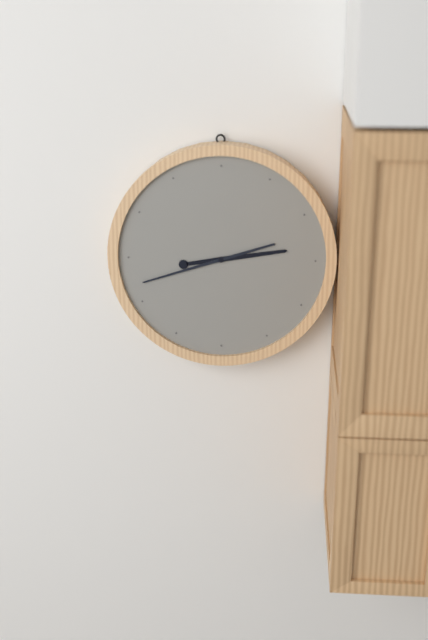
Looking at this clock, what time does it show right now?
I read 2:42
